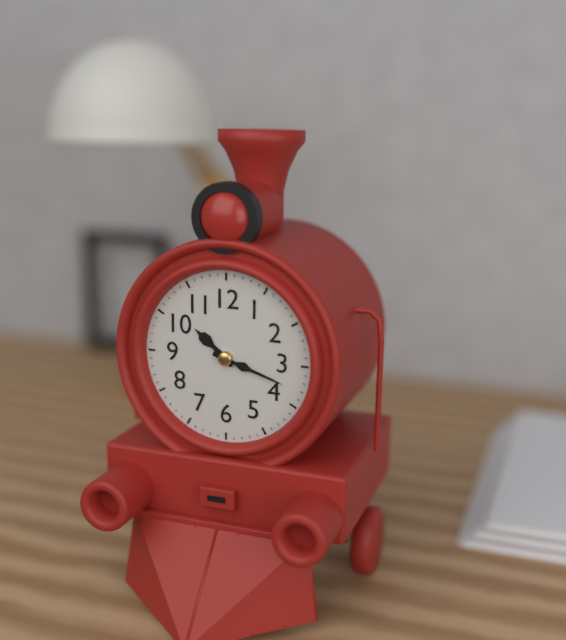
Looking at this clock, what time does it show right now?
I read 10:18
